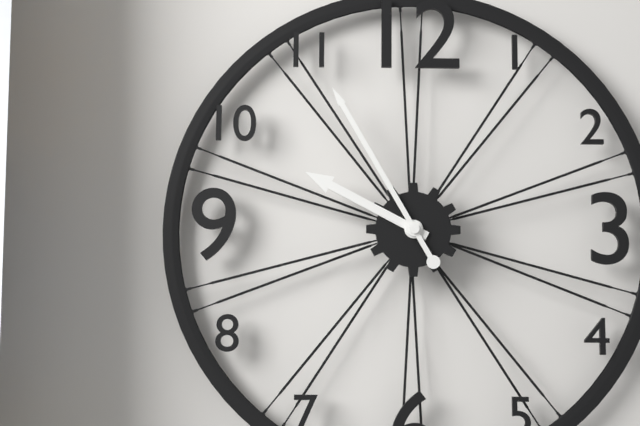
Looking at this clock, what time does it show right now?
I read 9:55
